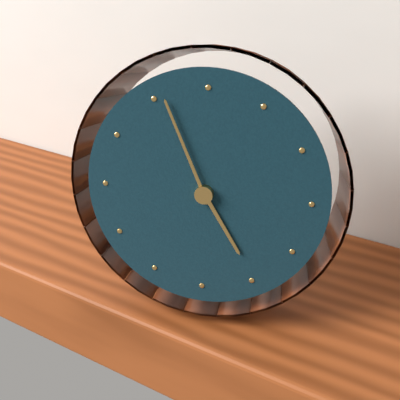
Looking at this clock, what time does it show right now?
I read 4:56
